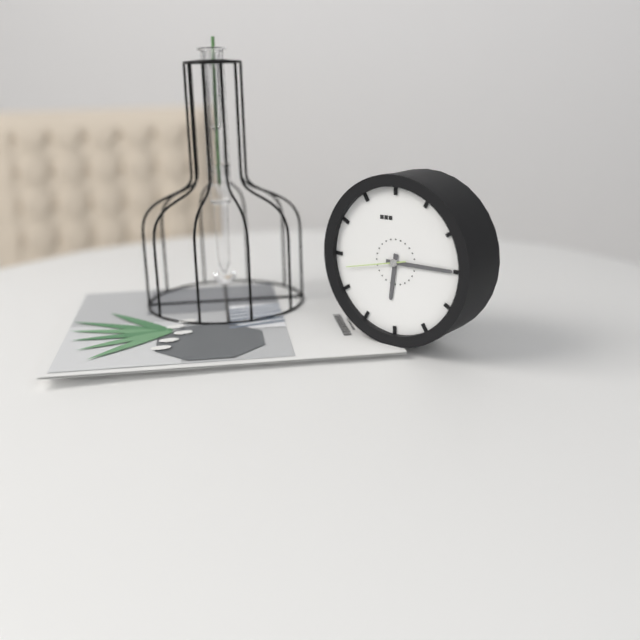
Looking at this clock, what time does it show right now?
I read 6:15:43
